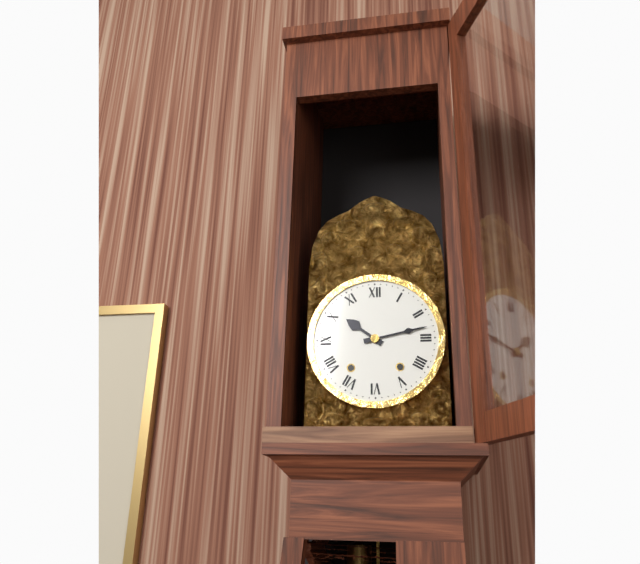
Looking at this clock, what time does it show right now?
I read 10:13
